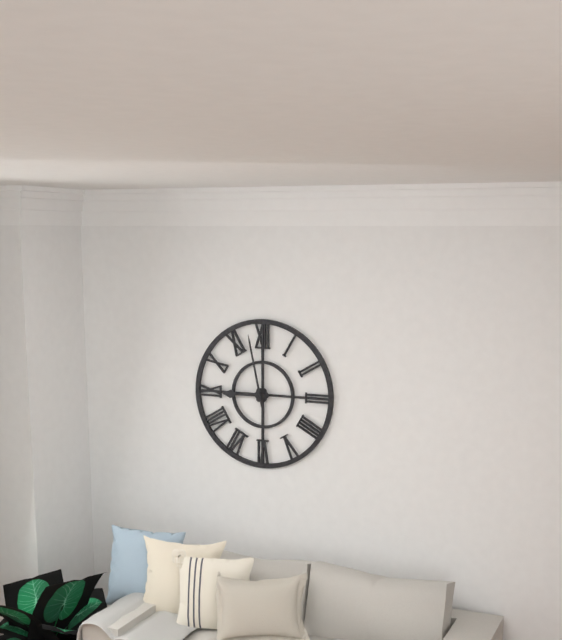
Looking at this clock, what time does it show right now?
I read 8:58
